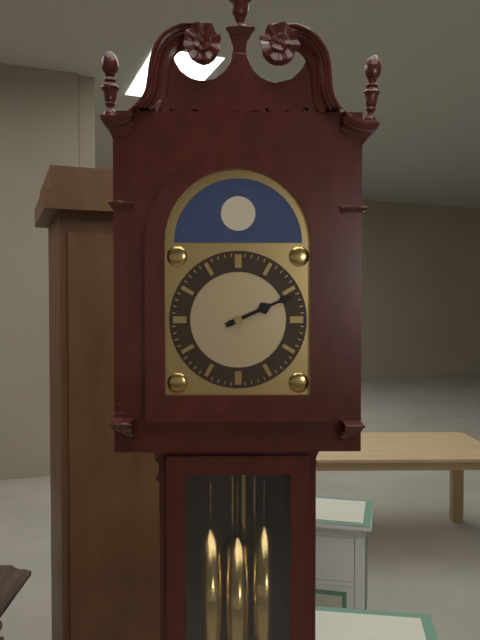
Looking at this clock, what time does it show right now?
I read 2:11
